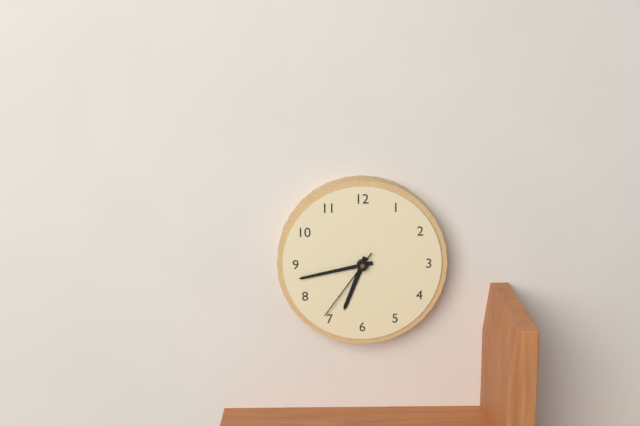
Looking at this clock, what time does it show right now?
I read 6:43:36
